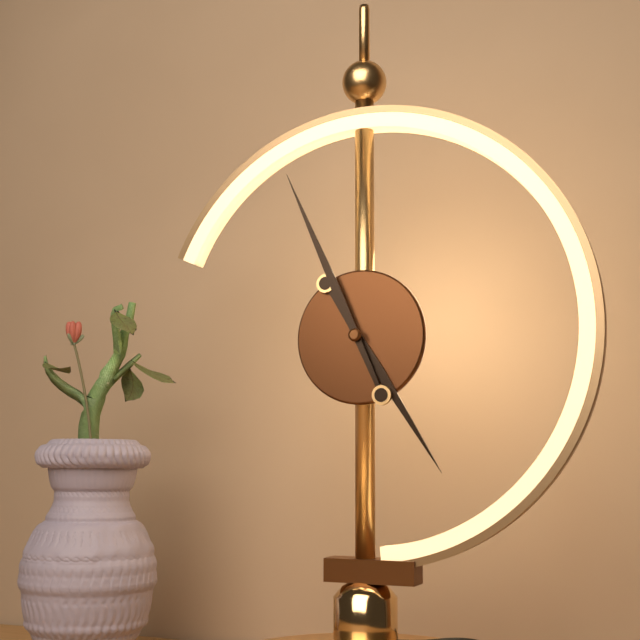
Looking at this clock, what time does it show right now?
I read 4:56
